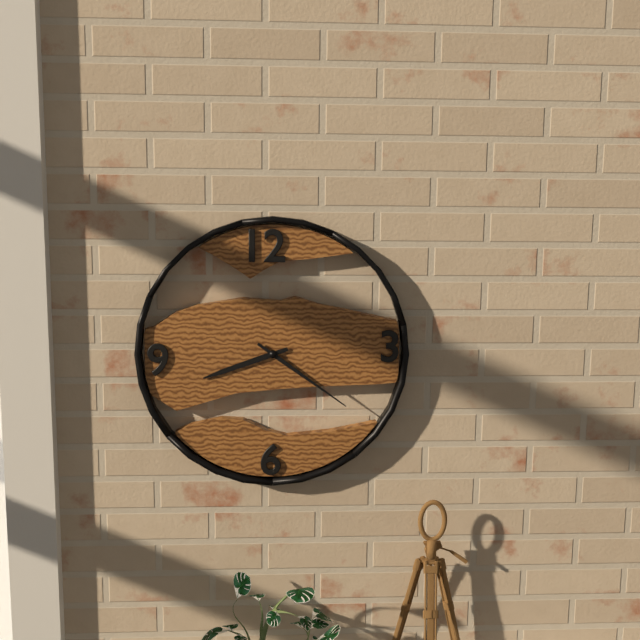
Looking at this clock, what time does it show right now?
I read 8:21
